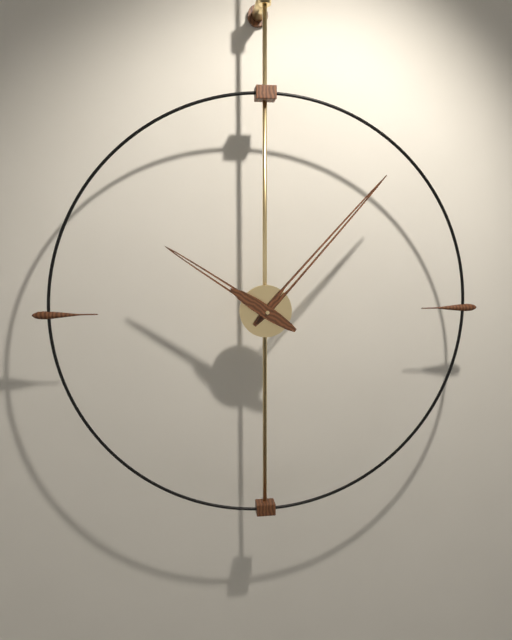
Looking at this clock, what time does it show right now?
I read 10:07
